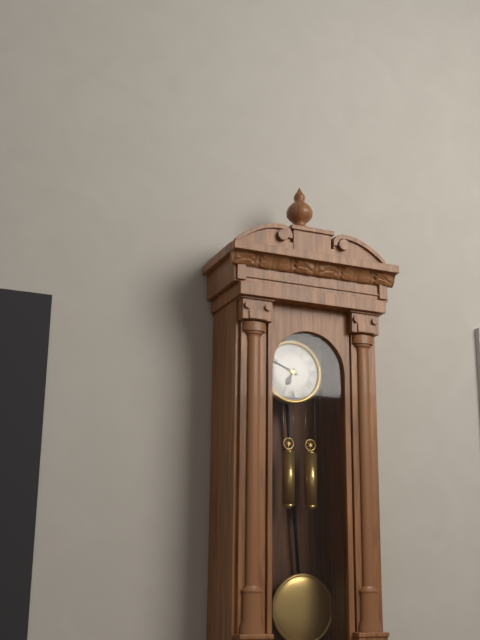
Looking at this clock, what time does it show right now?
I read 6:49
